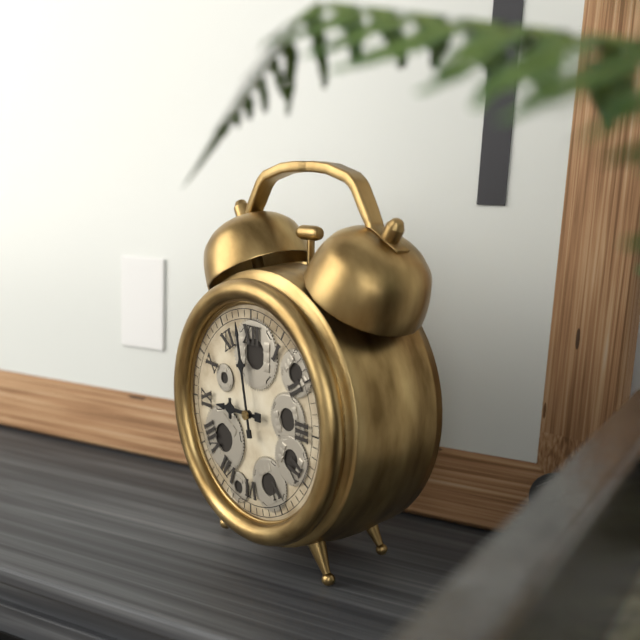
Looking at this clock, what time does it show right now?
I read 8:58
